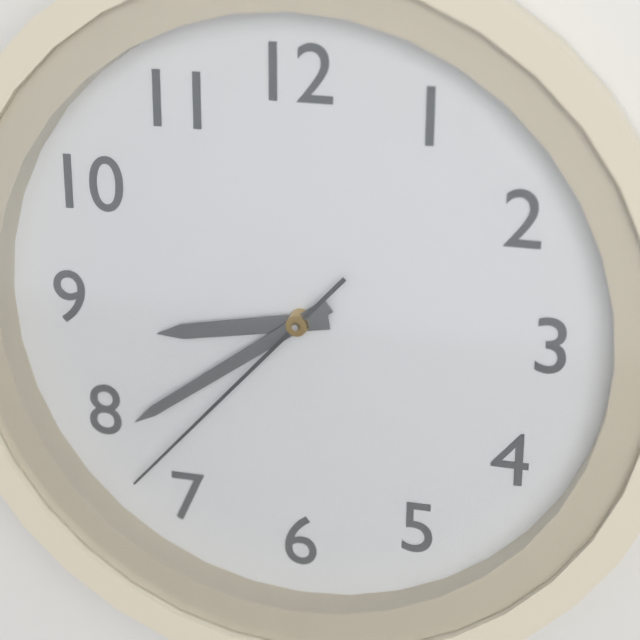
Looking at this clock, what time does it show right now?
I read 8:39:37
